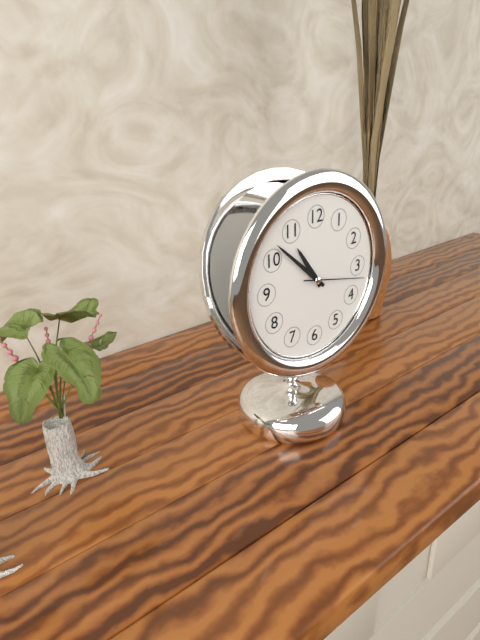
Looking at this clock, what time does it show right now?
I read 10:52:17
